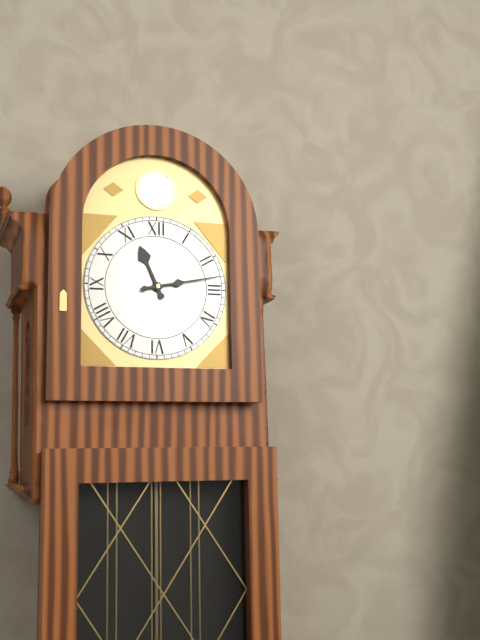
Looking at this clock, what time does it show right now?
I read 11:13
